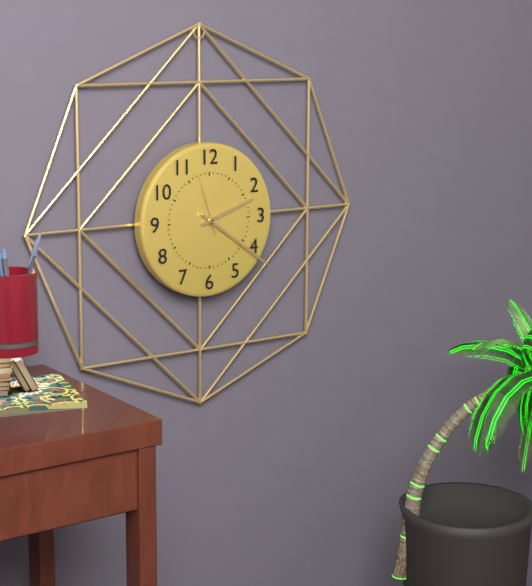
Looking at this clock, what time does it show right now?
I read 2:21:57
